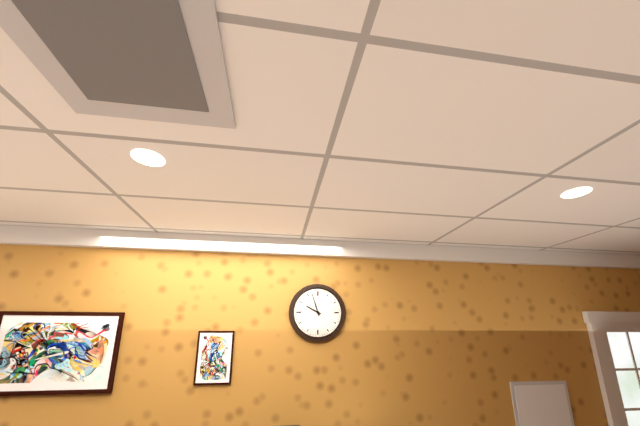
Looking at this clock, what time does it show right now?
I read 9:57
